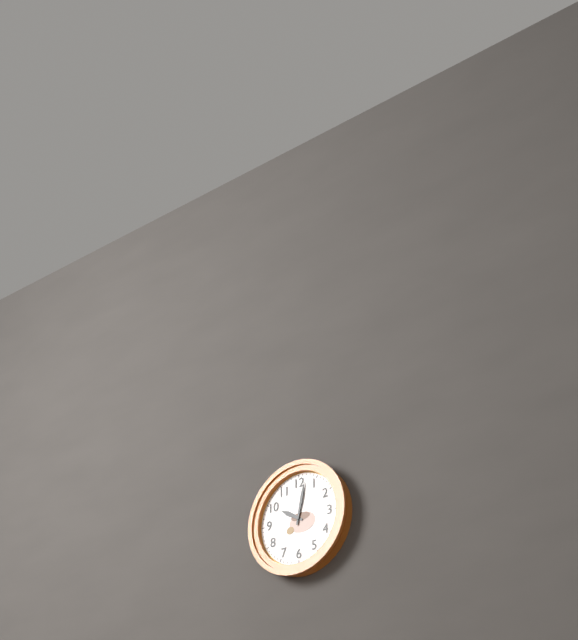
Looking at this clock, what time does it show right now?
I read 10:02
